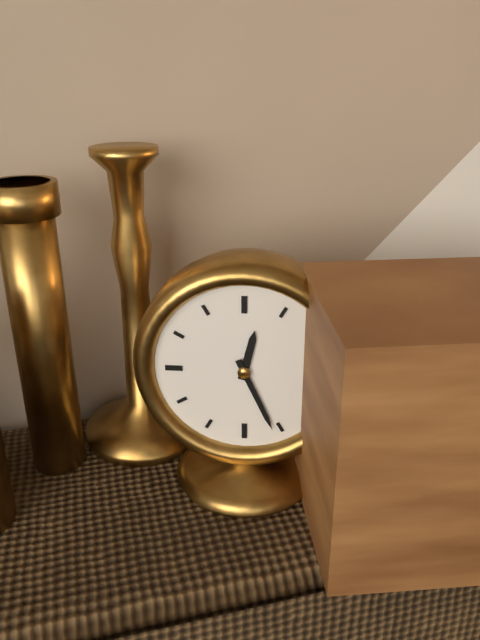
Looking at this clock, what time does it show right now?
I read 12:26
